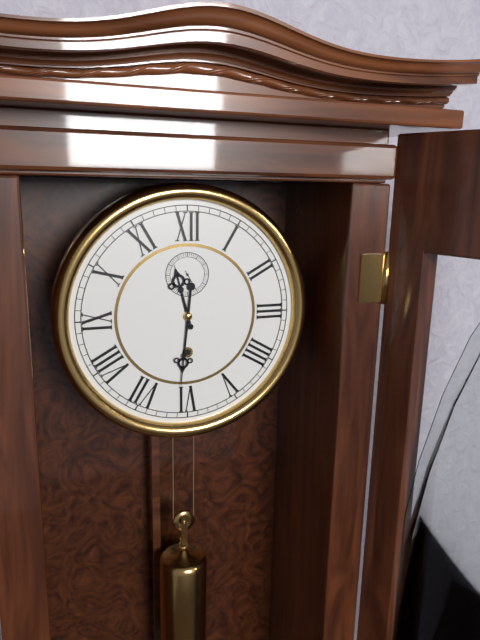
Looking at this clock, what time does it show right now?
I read 11:31
